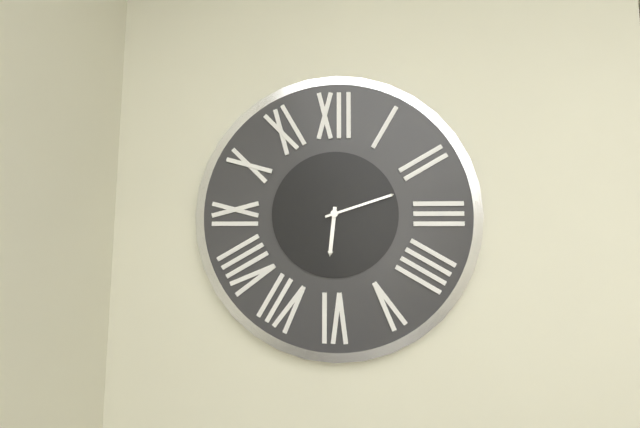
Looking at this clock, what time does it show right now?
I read 6:12
